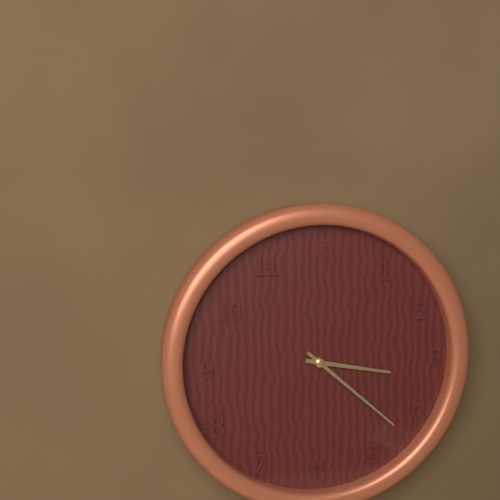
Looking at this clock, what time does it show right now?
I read 3:22
